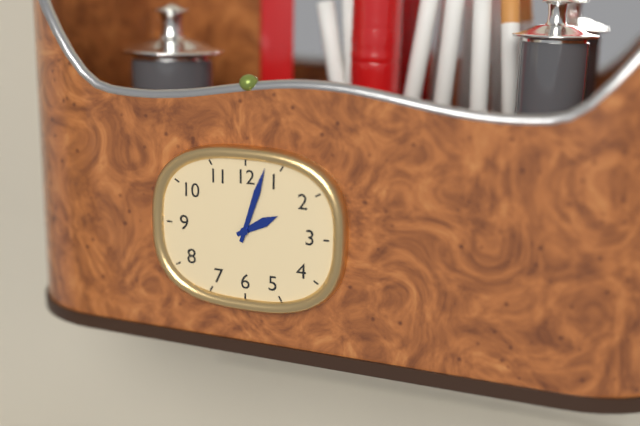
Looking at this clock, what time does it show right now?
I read 2:03
